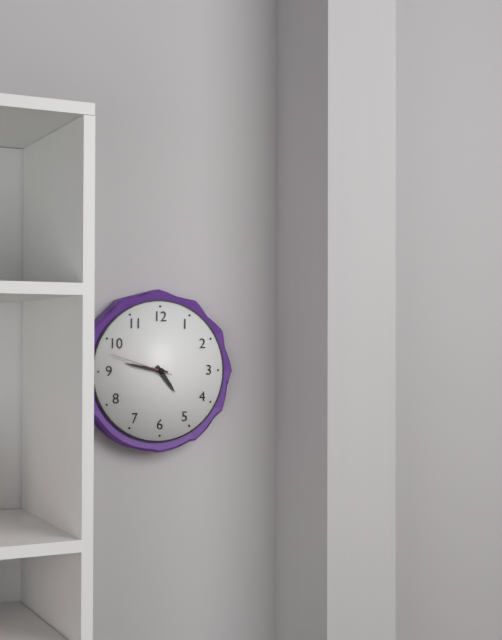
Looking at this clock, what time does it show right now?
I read 4:47:48
